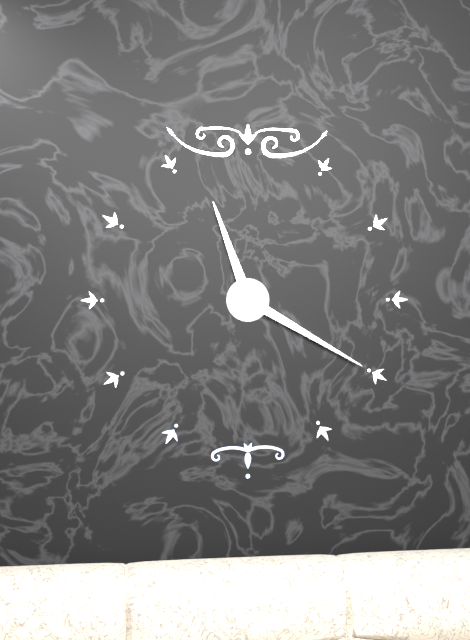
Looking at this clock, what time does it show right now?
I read 11:20
